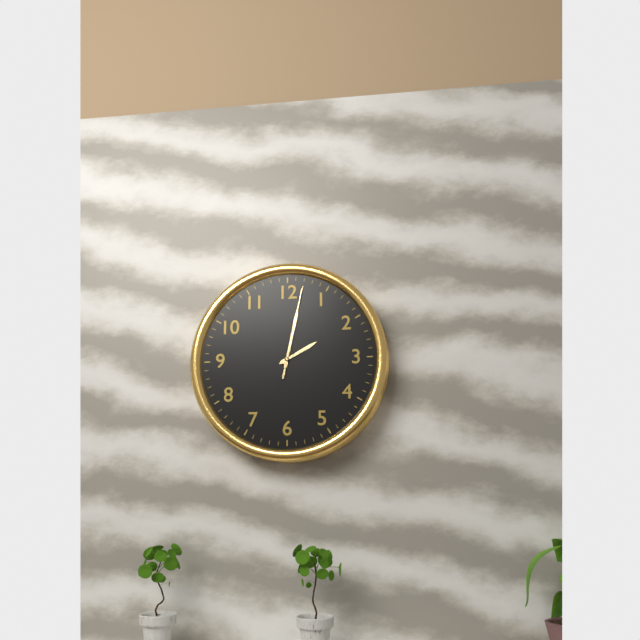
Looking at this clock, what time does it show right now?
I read 2:02:02
